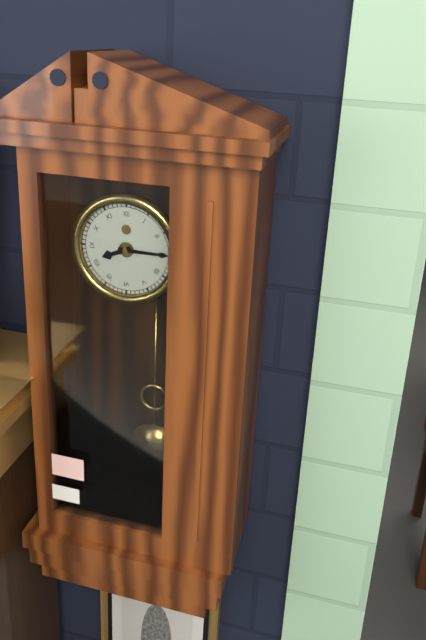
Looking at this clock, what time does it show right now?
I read 8:15
